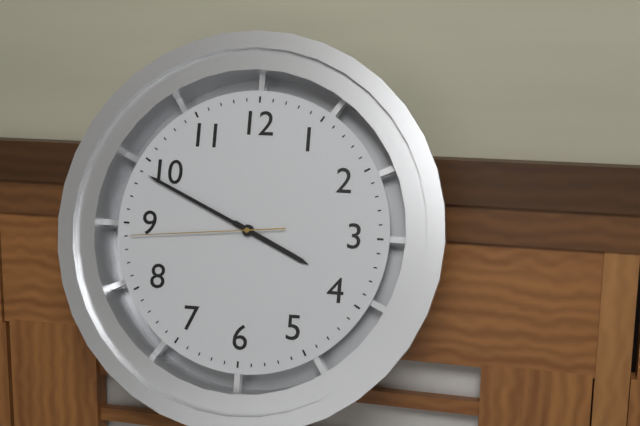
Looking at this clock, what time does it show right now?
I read 3:49:44
